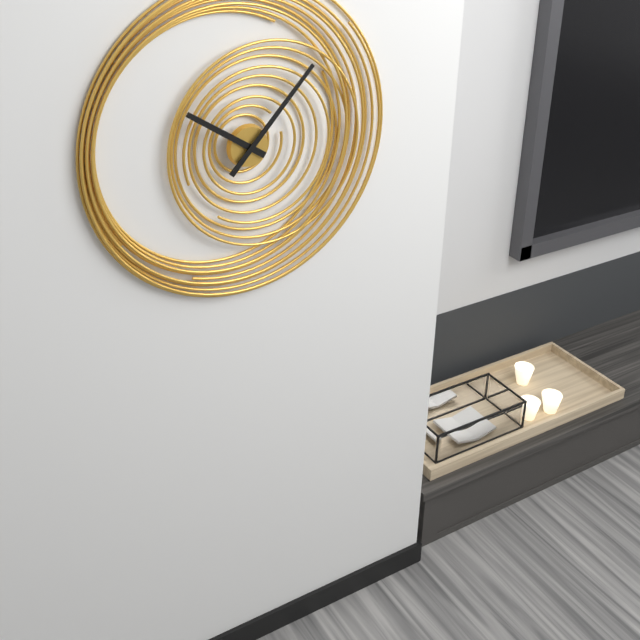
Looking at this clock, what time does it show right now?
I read 10:07
